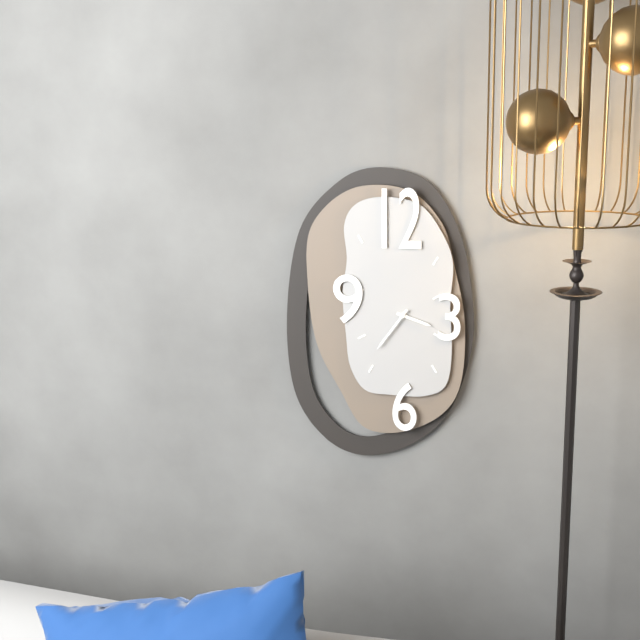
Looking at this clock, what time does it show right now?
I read 3:36
